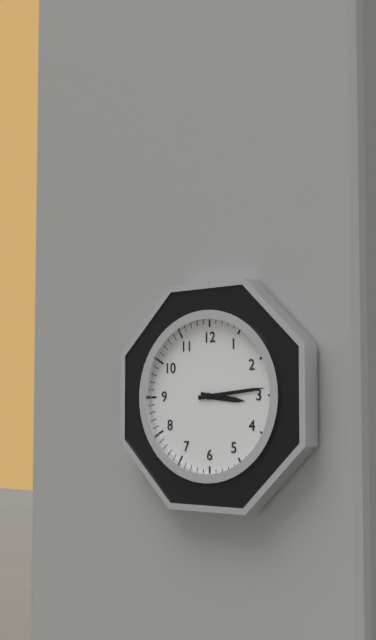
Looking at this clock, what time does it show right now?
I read 3:14
